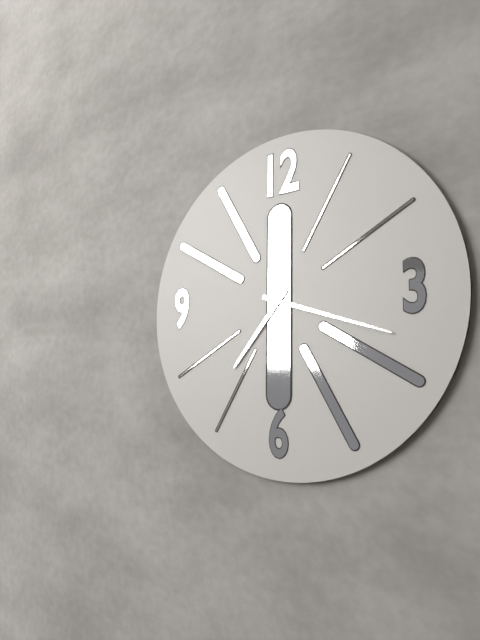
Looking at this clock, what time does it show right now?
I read 7:18
